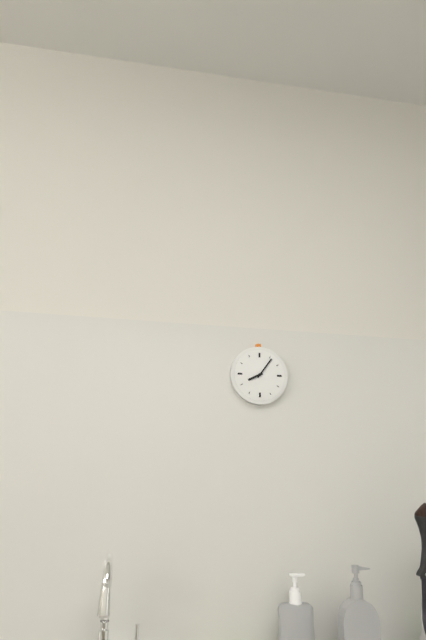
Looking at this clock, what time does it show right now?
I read 8:06
